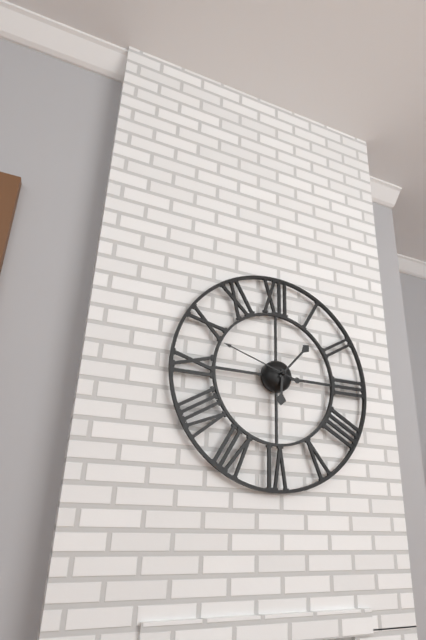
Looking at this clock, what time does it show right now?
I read 6:07:48
